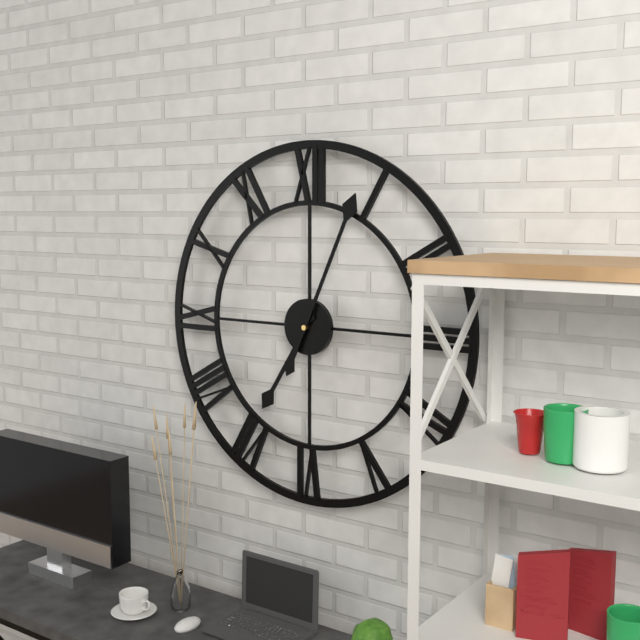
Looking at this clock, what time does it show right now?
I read 7:04
